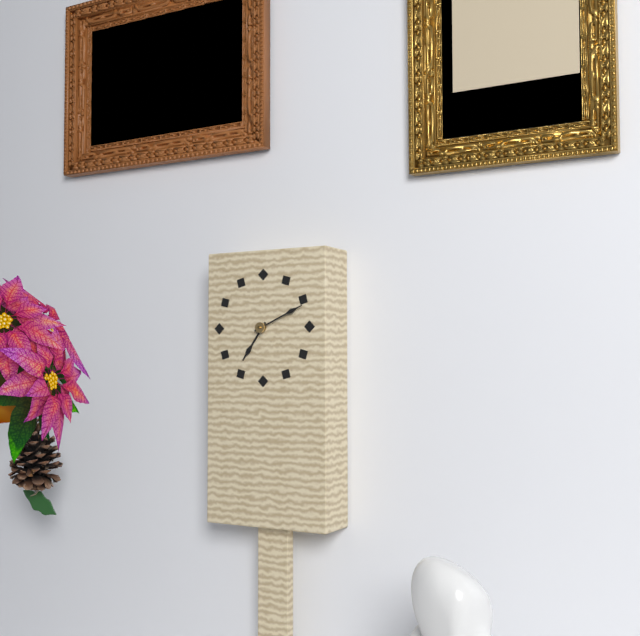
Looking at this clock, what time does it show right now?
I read 7:11
